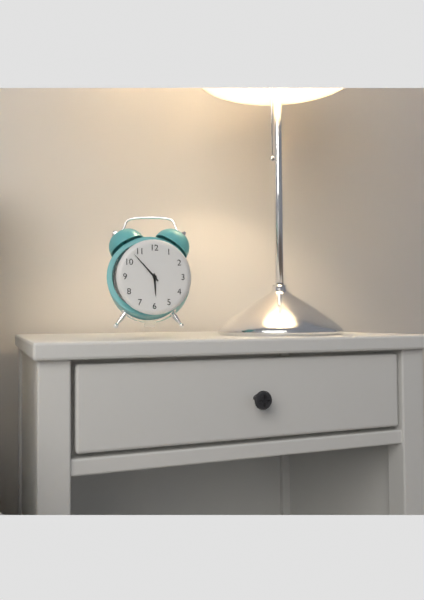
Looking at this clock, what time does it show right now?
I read 5:53
